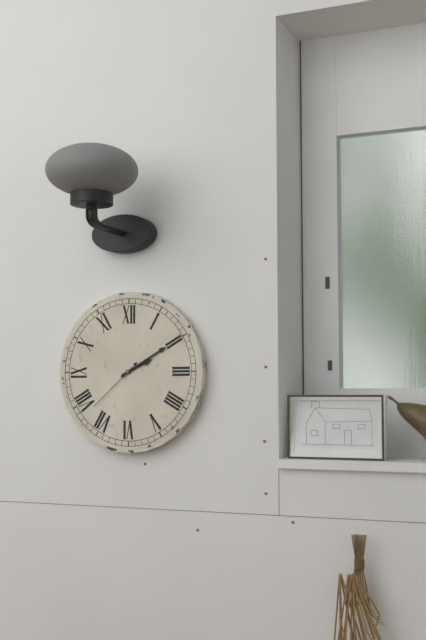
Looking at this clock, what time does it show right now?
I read 2:10:38
